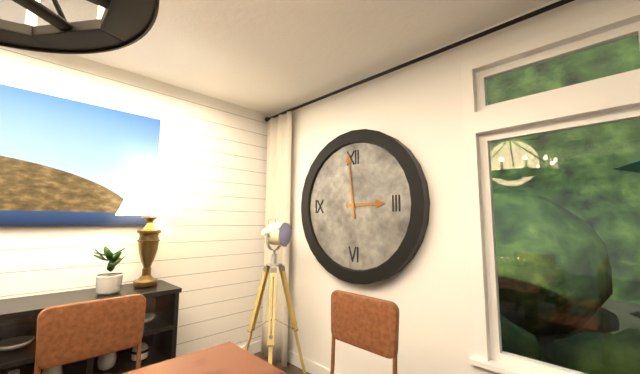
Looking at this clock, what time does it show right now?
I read 2:59
